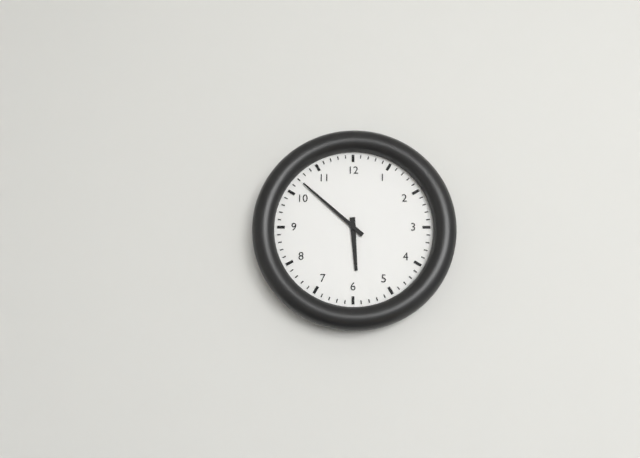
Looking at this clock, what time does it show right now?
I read 5:52
